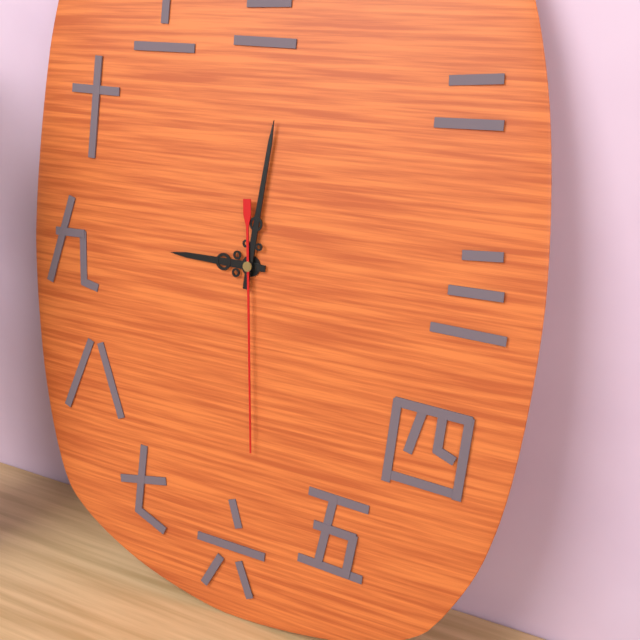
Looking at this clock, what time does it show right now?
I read 9:01:29
